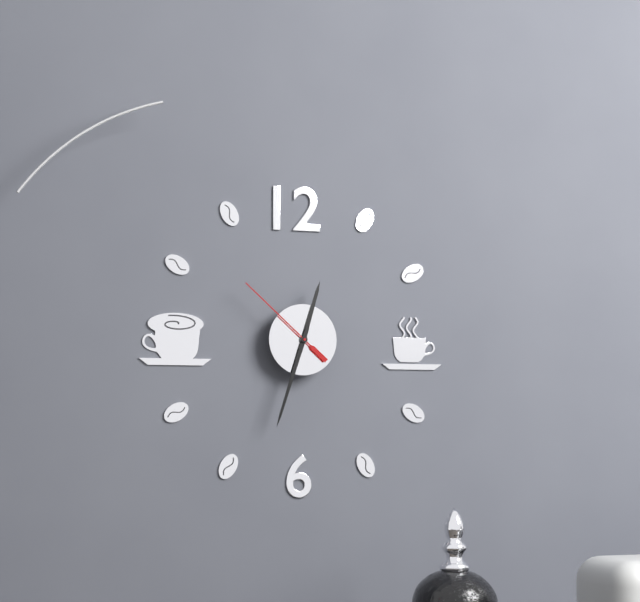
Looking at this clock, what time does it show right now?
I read 12:33:52
